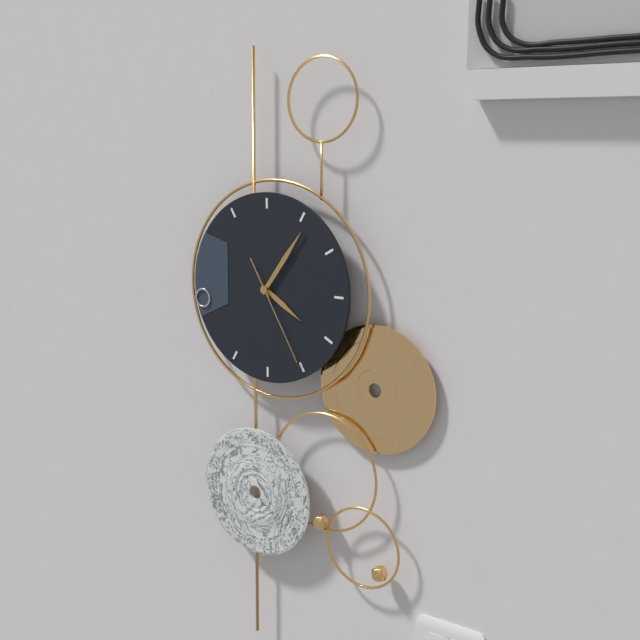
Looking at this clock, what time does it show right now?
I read 4:06:25
